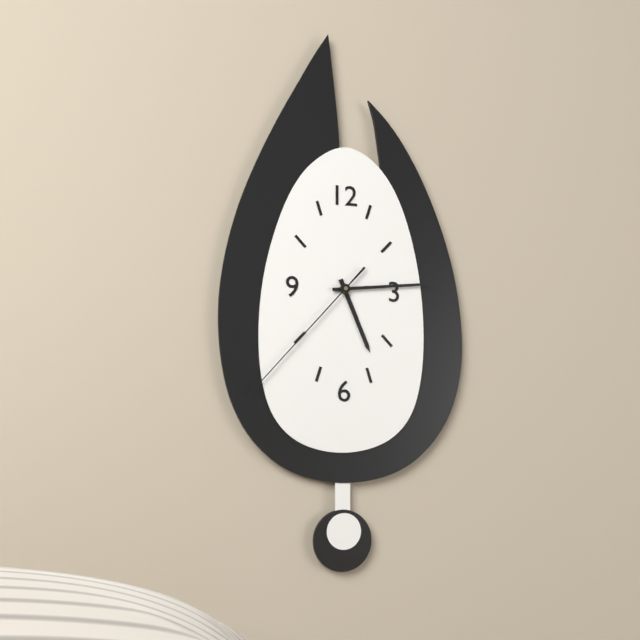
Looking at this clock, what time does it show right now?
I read 5:14:37
